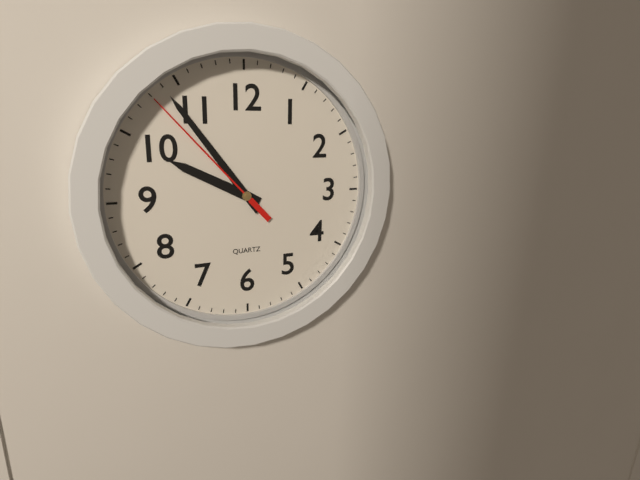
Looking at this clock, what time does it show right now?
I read 9:54:53
